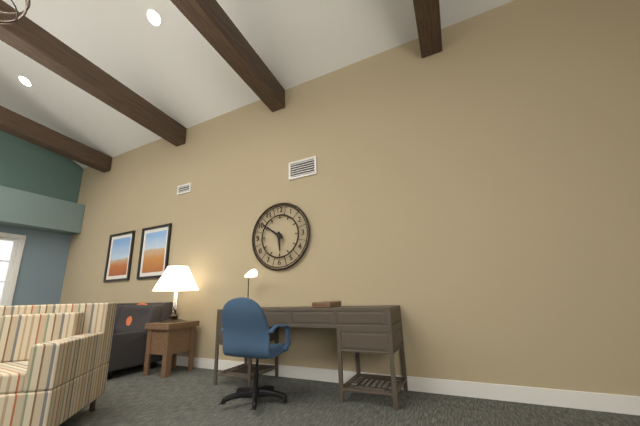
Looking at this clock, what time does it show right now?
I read 5:51
